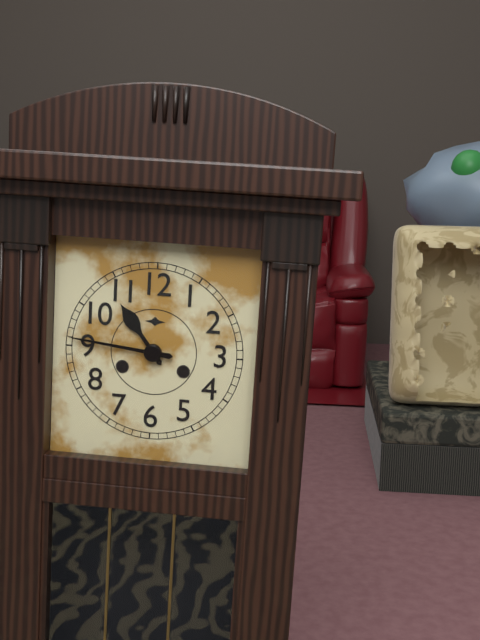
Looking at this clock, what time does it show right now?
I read 10:46
